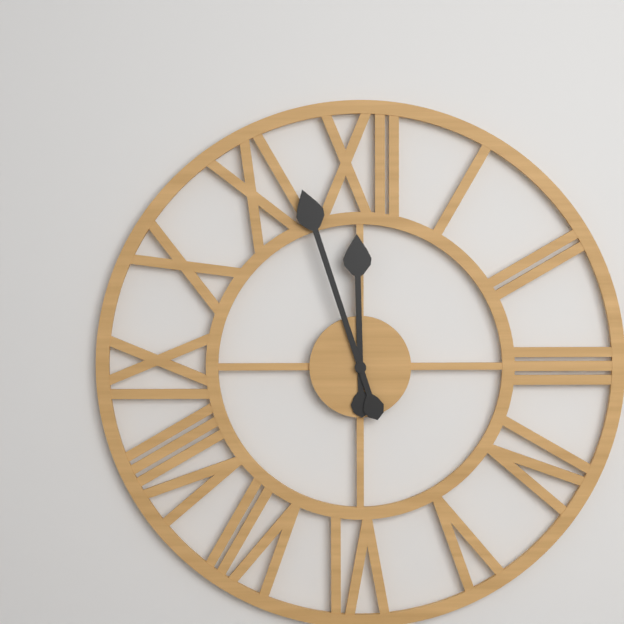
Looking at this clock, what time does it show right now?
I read 11:57
